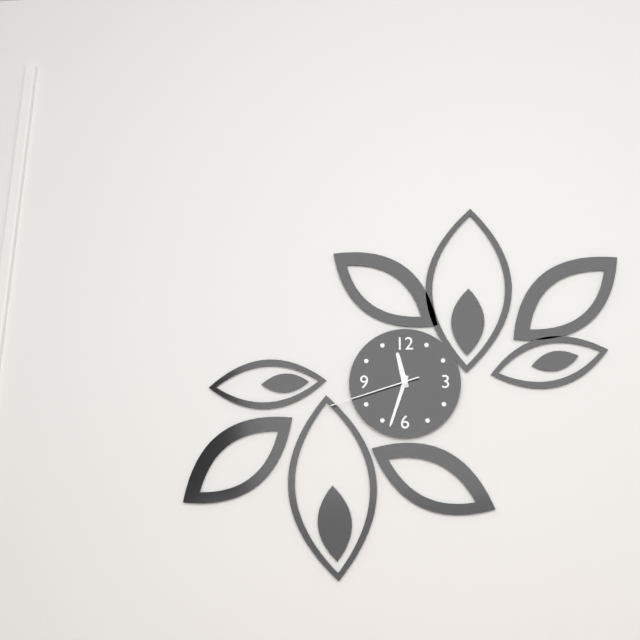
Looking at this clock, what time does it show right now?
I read 11:33:42
